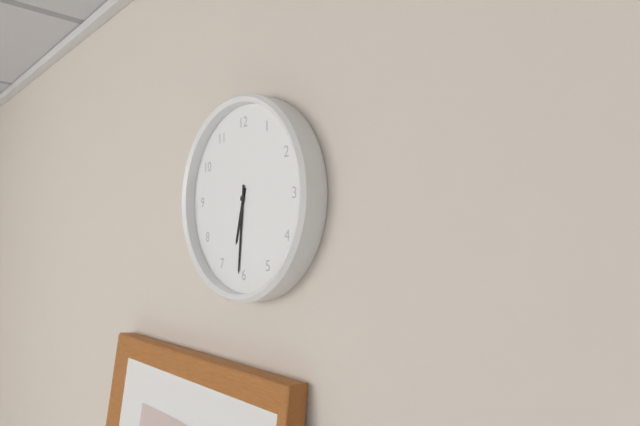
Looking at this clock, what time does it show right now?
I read 6:31
